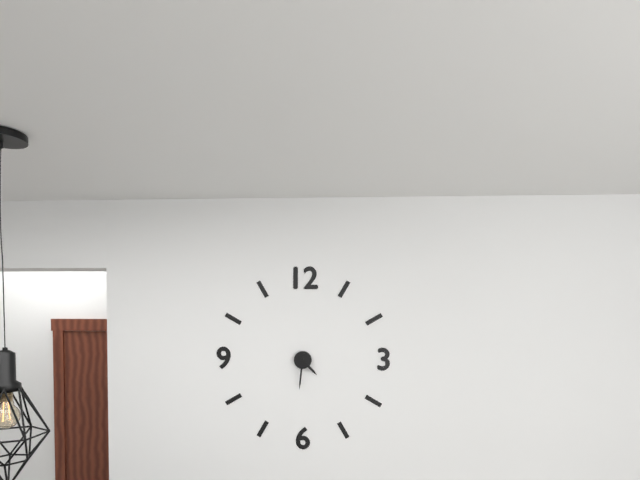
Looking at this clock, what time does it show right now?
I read 4:31
